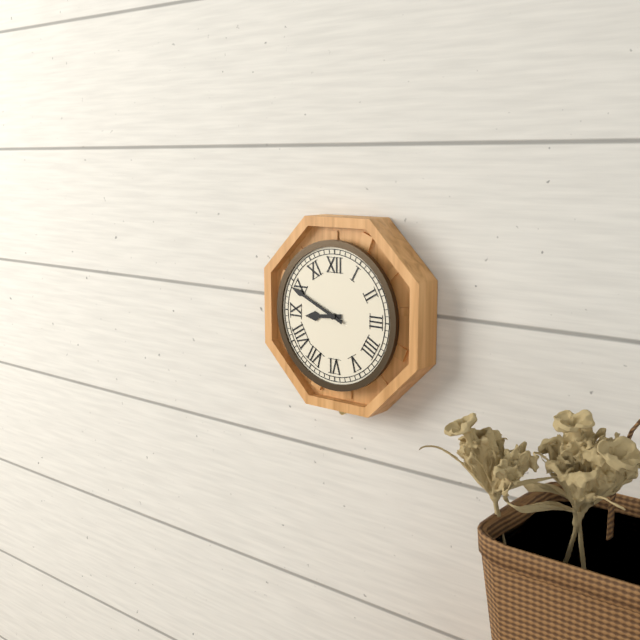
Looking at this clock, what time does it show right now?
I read 8:49
